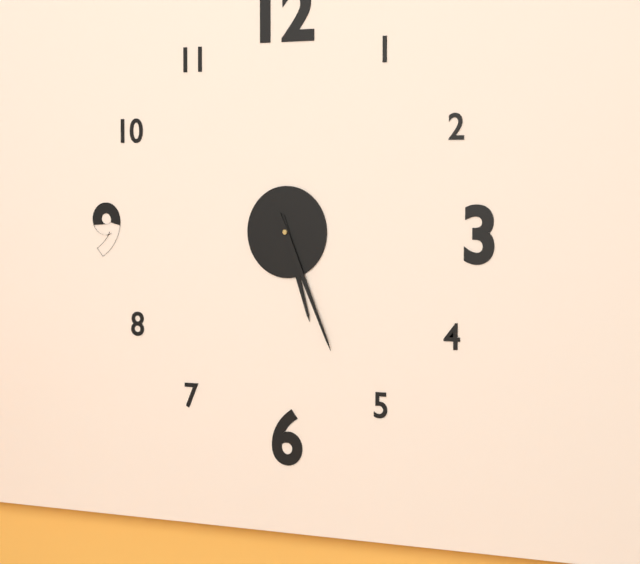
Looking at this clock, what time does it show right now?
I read 5:26
